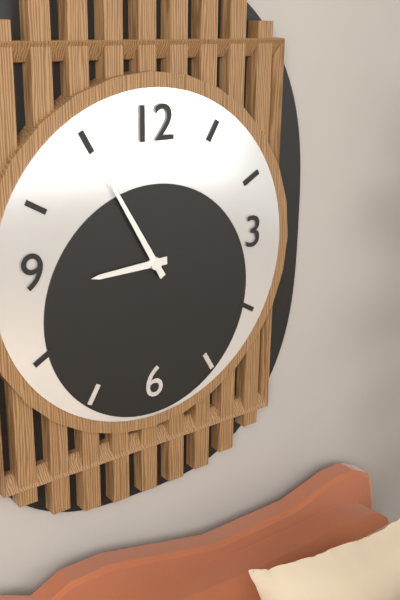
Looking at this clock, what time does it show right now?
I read 8:55
